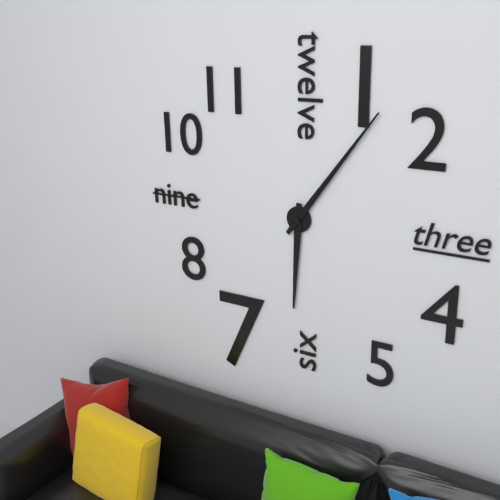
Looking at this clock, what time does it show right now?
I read 6:06
